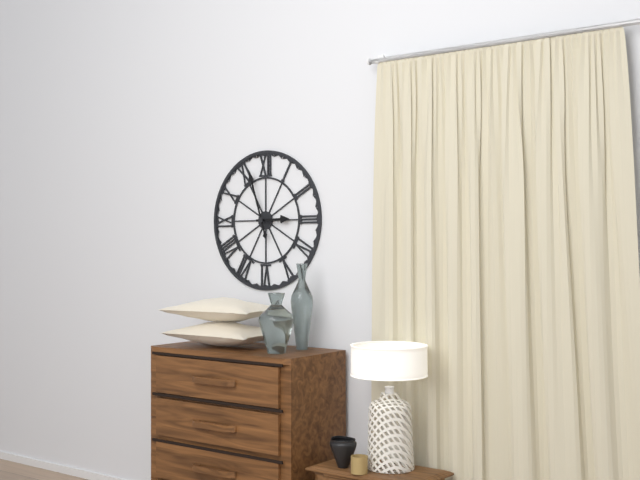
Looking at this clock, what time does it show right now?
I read 2:57
